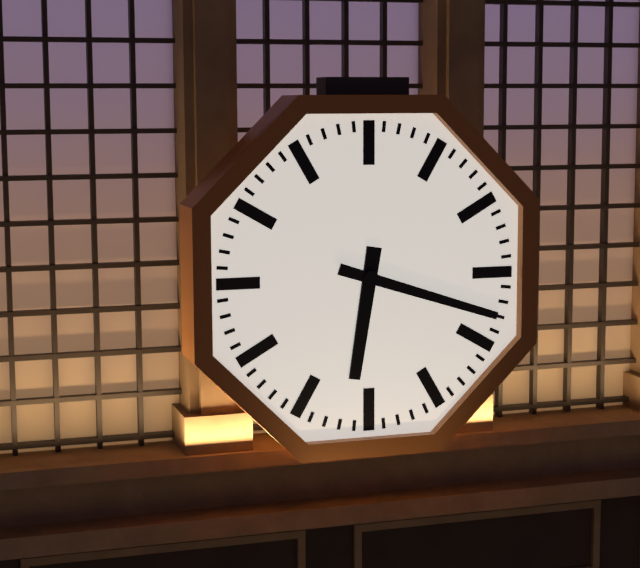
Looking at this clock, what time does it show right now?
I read 6:18
